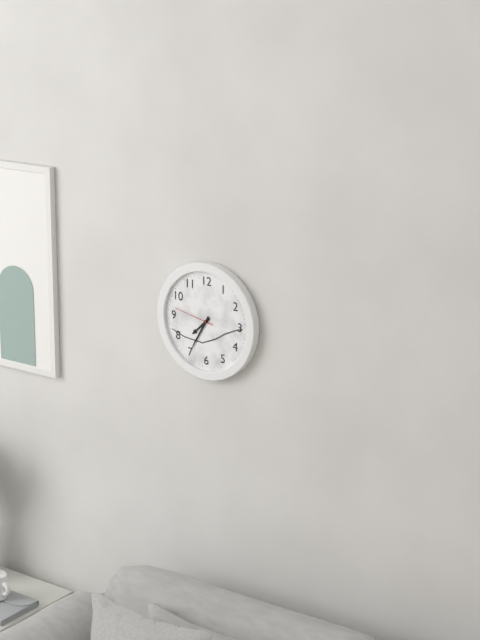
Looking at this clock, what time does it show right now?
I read 7:35
